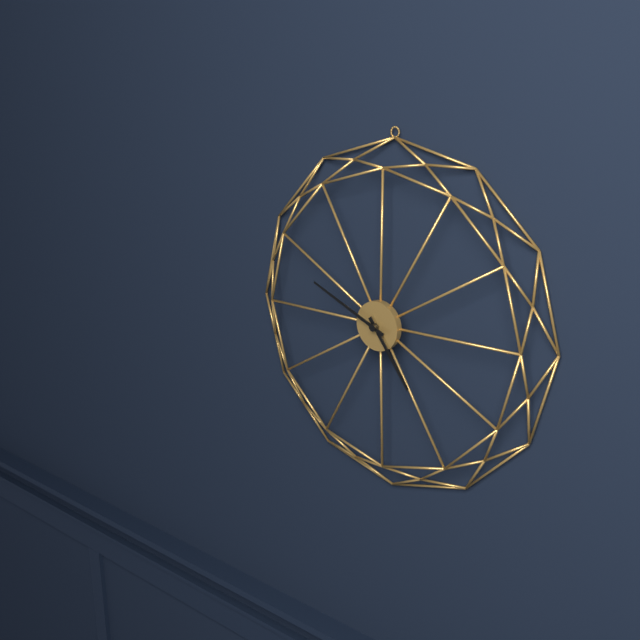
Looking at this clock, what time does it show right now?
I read 4:49
